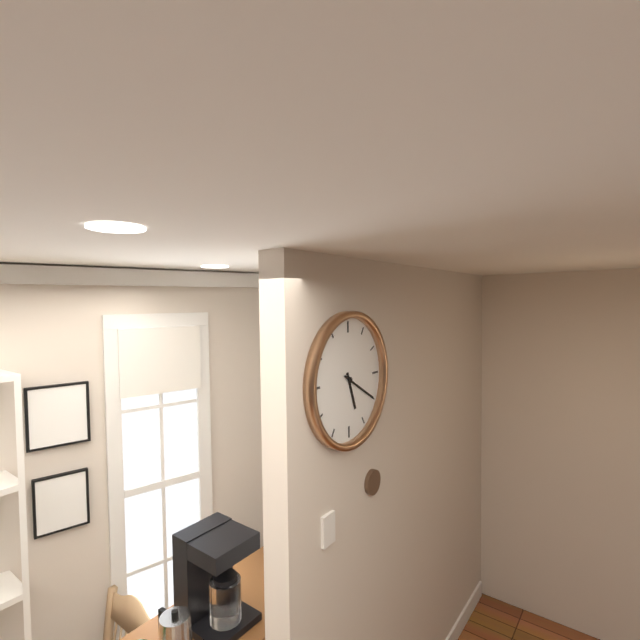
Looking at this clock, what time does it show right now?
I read 5:20
